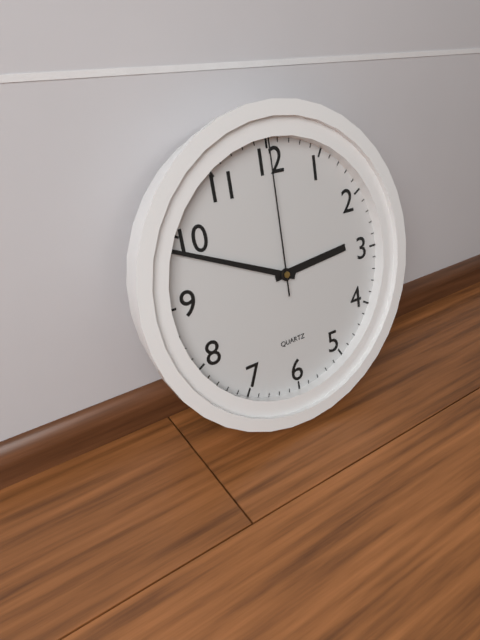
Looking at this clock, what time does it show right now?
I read 2:49:00
